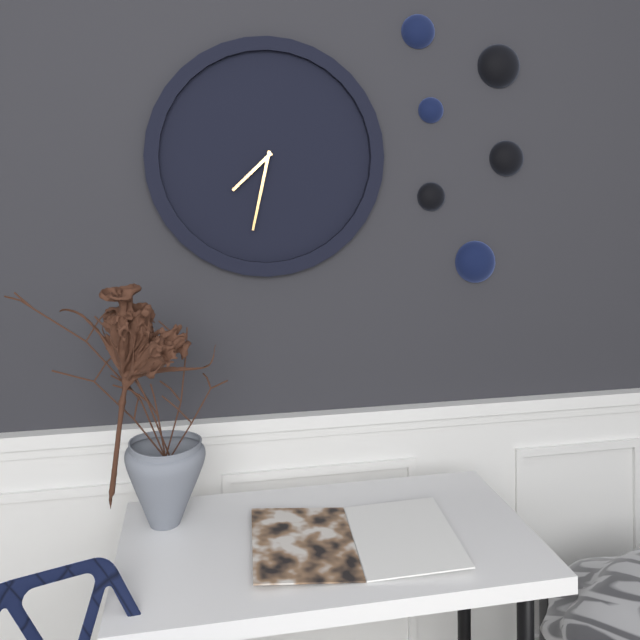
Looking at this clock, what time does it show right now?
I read 7:32
